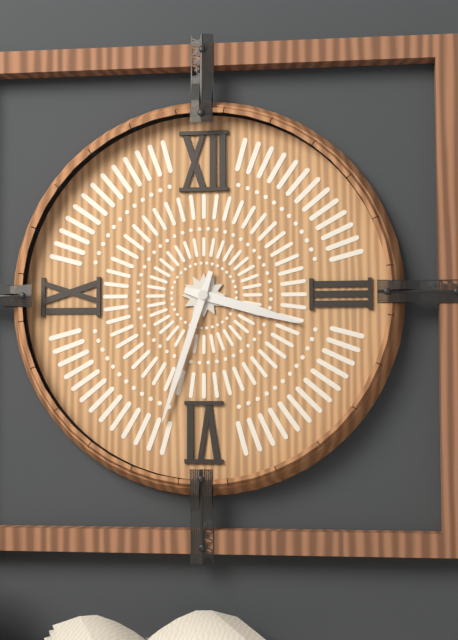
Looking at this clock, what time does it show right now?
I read 3:33
